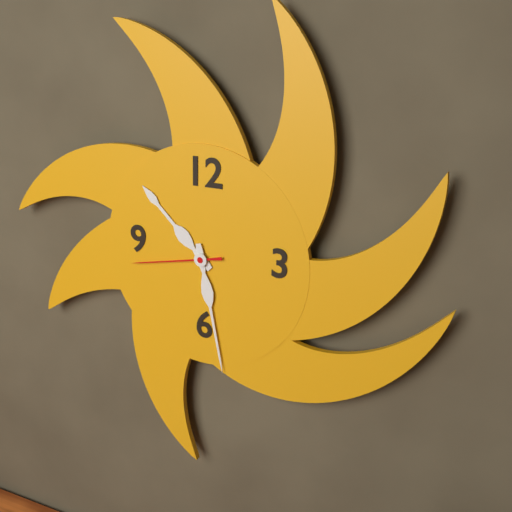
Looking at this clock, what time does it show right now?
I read 10:28:43
